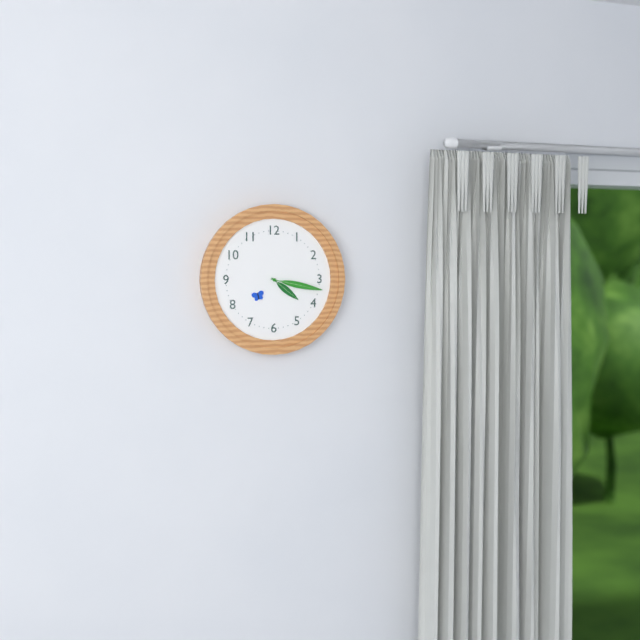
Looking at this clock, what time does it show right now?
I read 4:17
